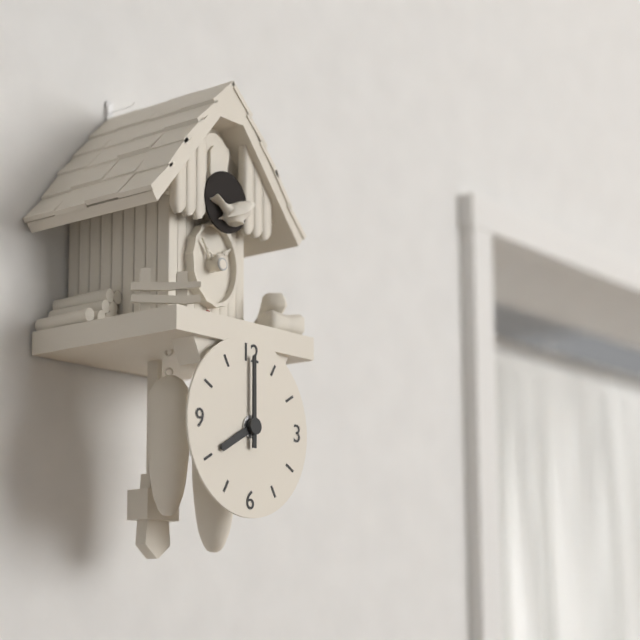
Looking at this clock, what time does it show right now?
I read 8:00
